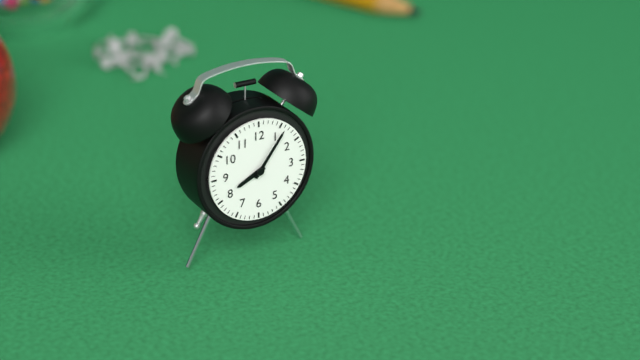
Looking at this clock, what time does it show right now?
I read 8:06
